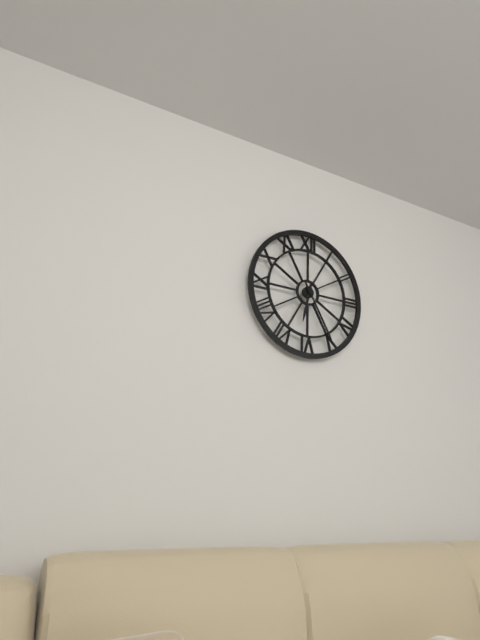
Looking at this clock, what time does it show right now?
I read 6:25
